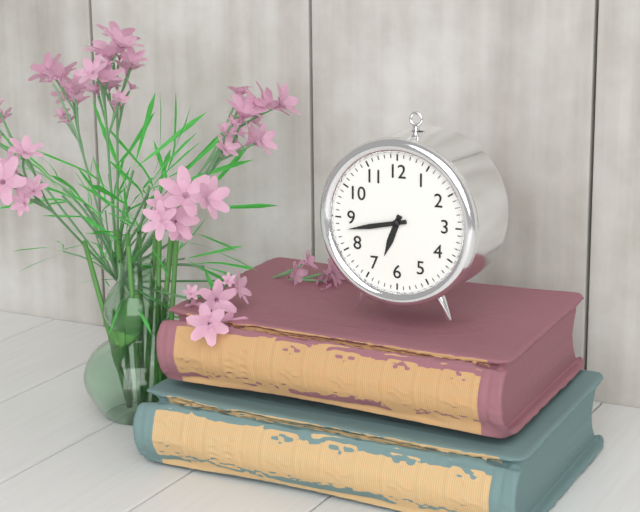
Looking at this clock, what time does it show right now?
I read 6:43
